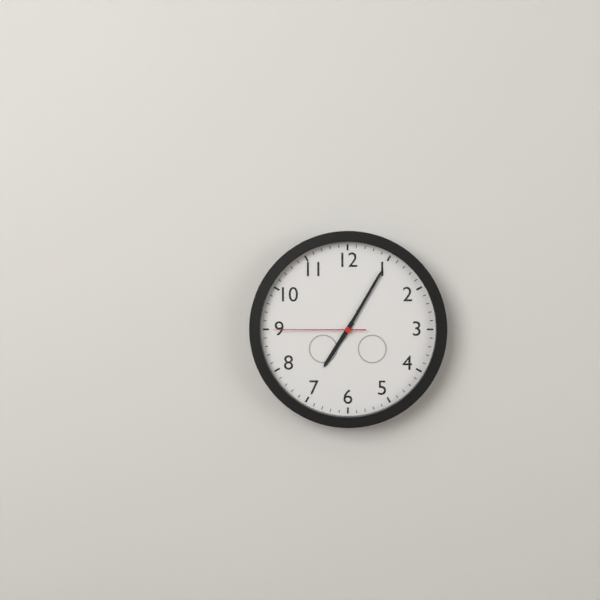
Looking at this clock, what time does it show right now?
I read 7:05:45
